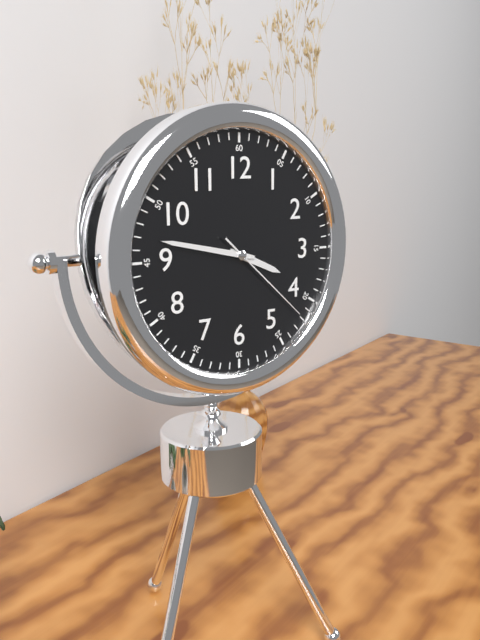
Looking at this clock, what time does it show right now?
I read 3:47:22
